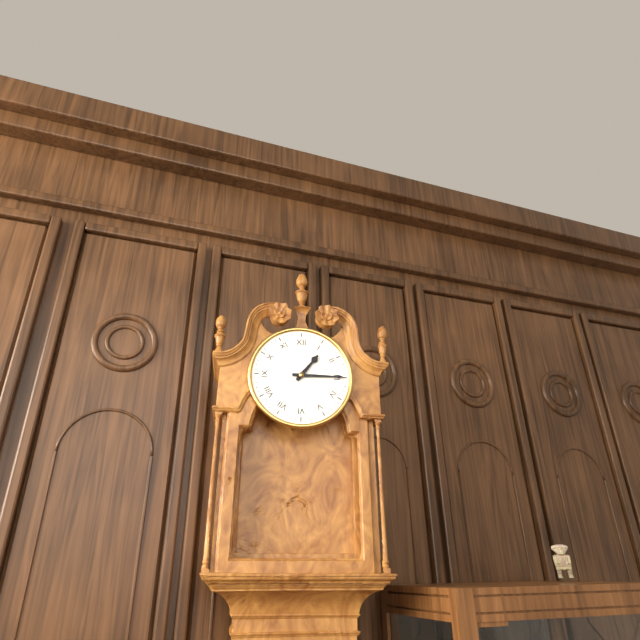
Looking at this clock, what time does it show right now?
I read 1:15
